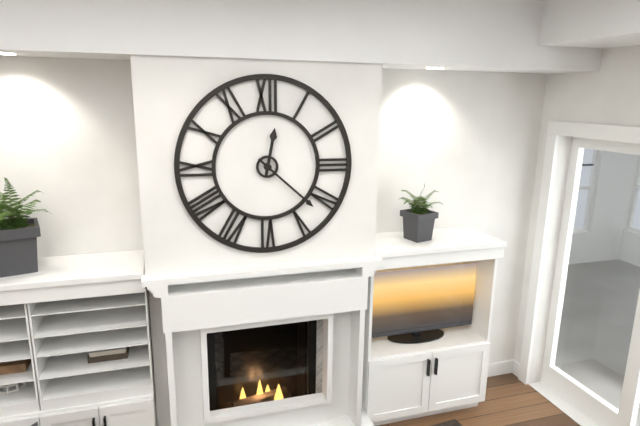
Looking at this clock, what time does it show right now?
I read 12:22
